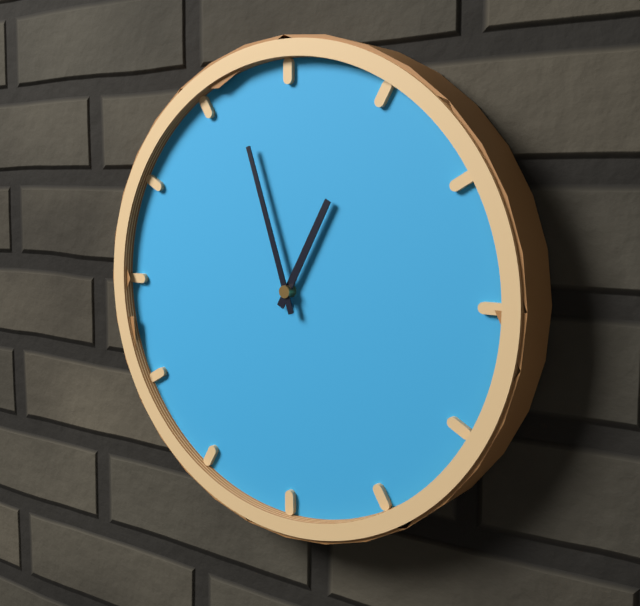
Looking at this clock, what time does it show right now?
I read 12:57
